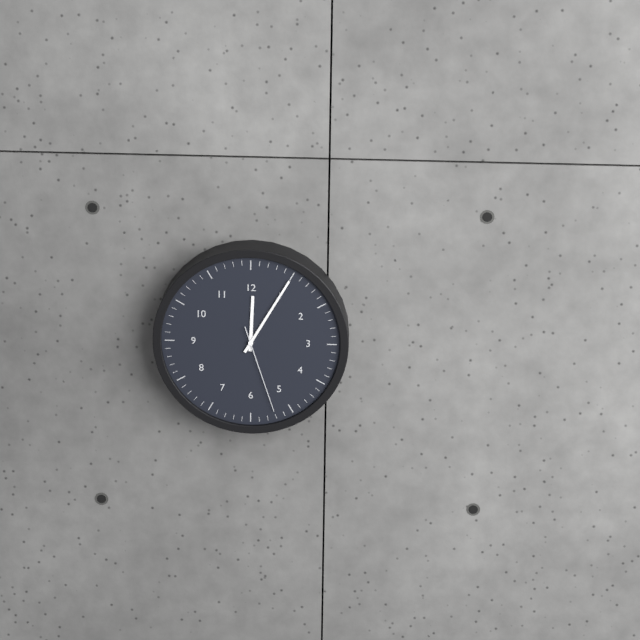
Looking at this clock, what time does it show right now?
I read 12:05:27
